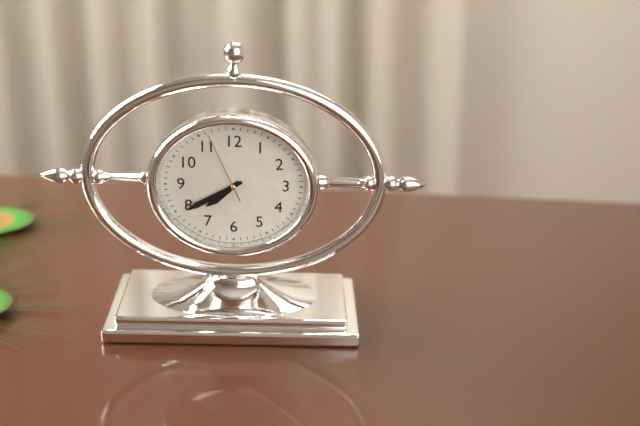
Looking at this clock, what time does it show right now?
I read 7:40:56
